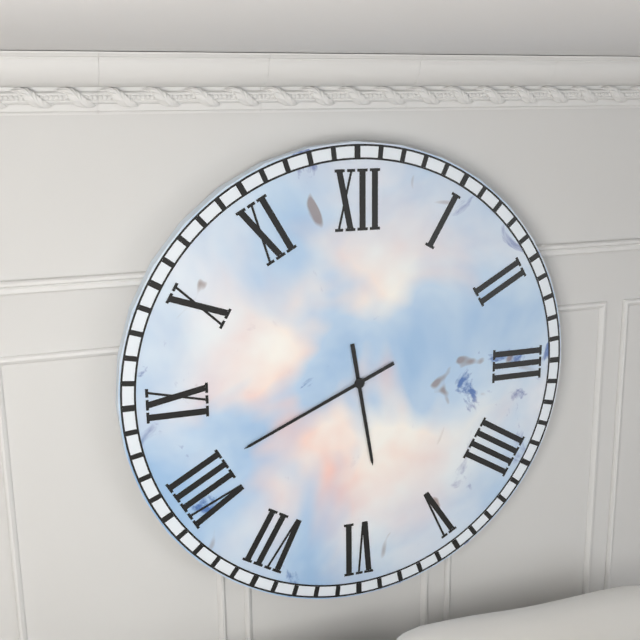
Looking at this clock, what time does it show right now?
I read 5:41
